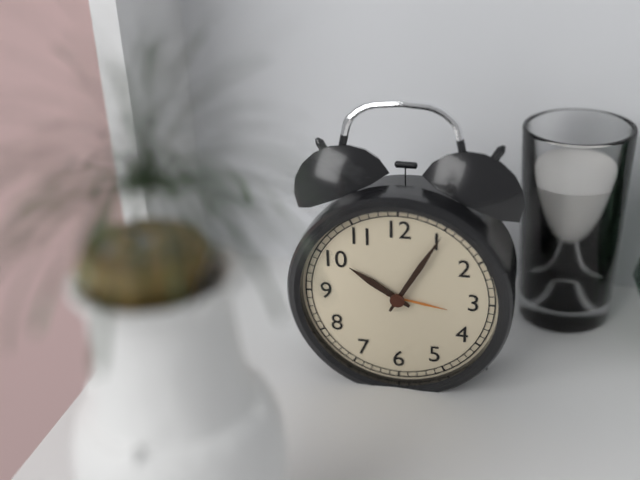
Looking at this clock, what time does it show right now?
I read 10:05
